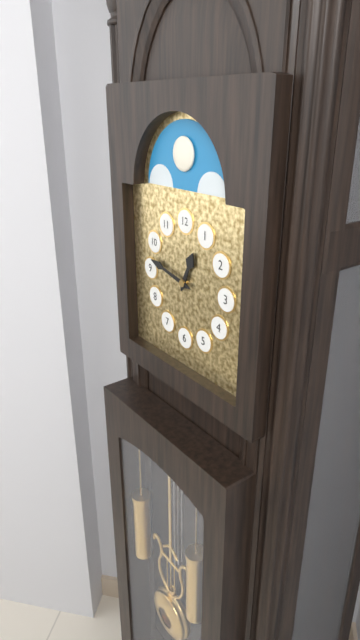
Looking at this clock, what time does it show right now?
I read 12:47
